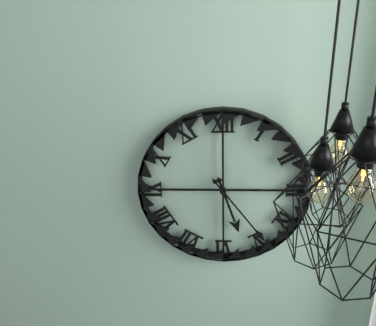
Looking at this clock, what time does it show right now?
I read 5:24
